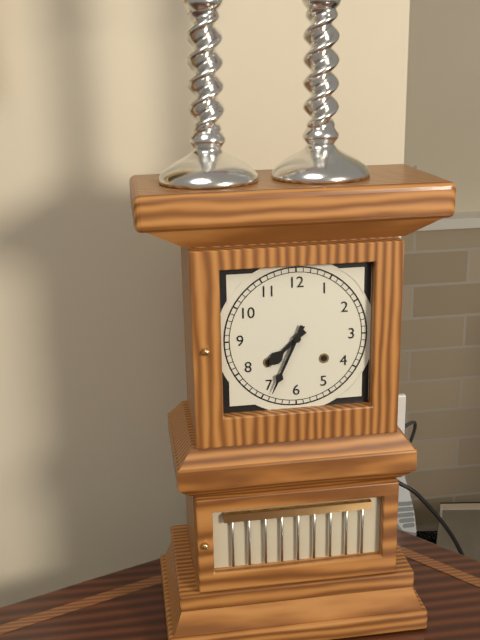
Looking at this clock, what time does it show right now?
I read 7:34
